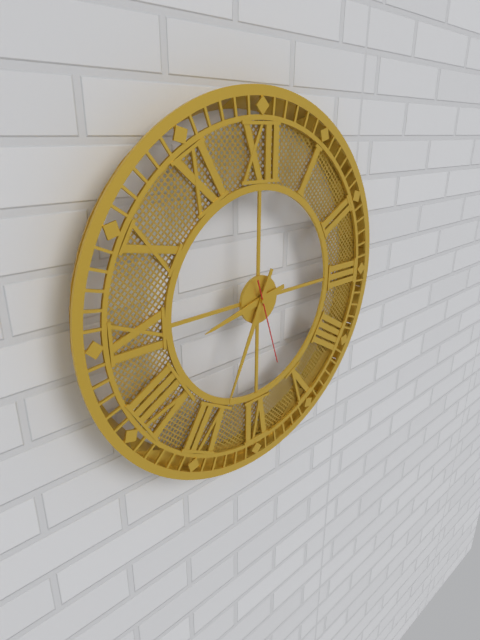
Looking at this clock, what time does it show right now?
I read 8:34:27
